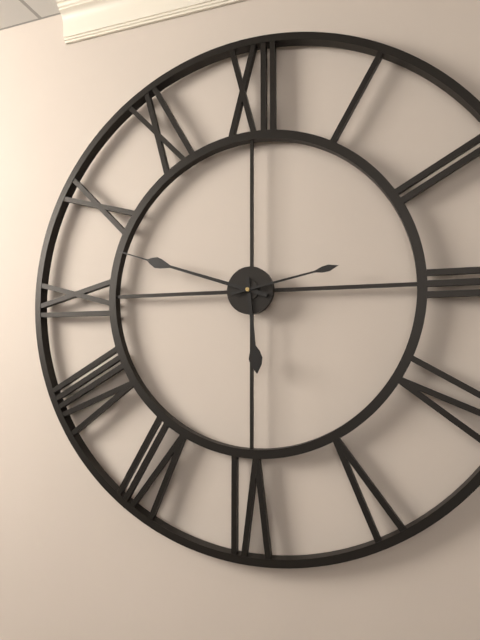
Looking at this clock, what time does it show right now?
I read 5:48:13
